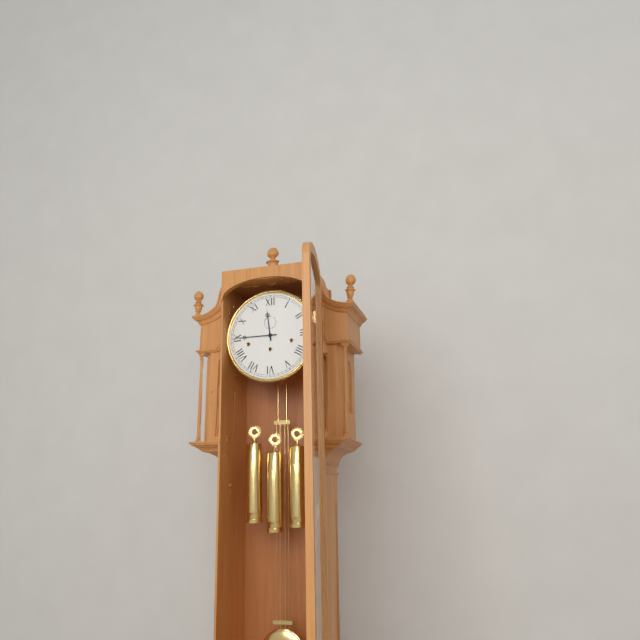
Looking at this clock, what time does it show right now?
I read 11:45
